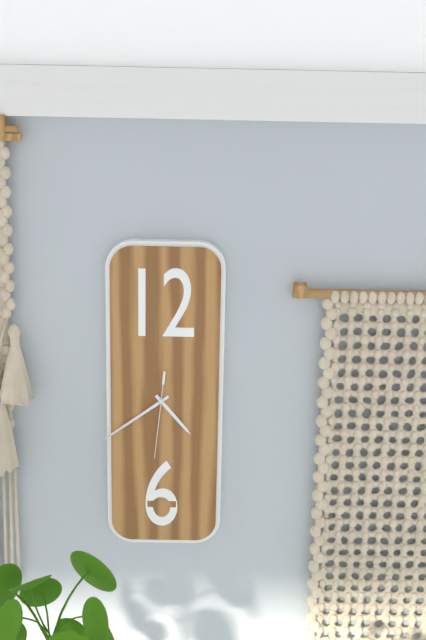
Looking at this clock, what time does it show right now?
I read 4:39:31
